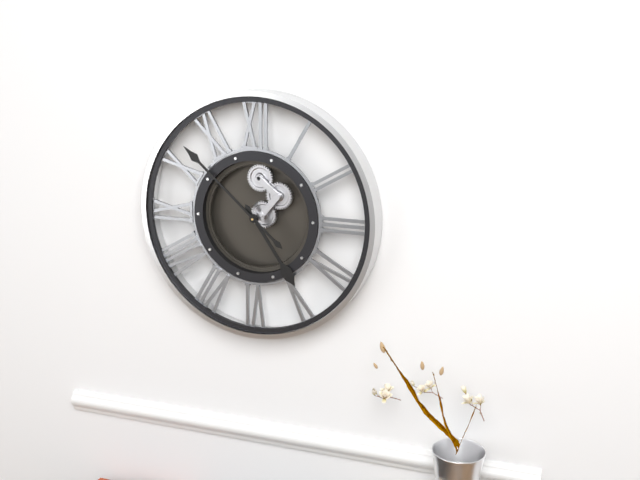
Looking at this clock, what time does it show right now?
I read 4:52
